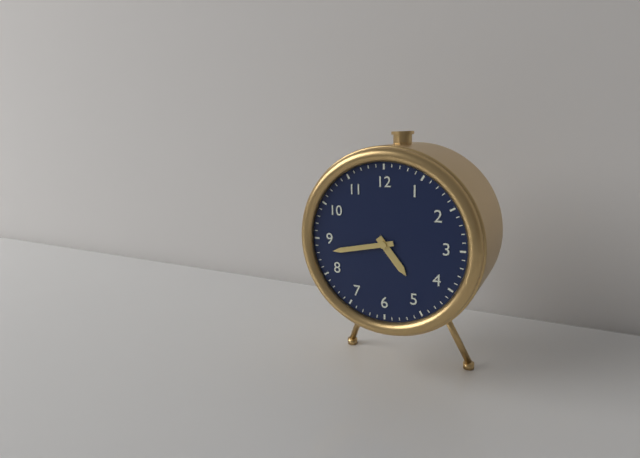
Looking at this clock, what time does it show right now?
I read 4:43
